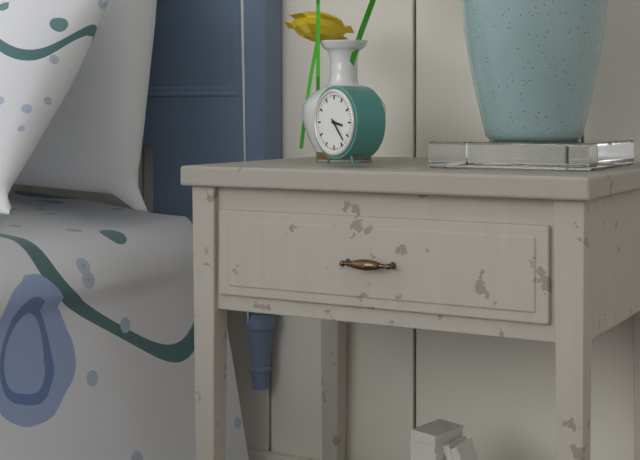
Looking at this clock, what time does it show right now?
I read 3:23
